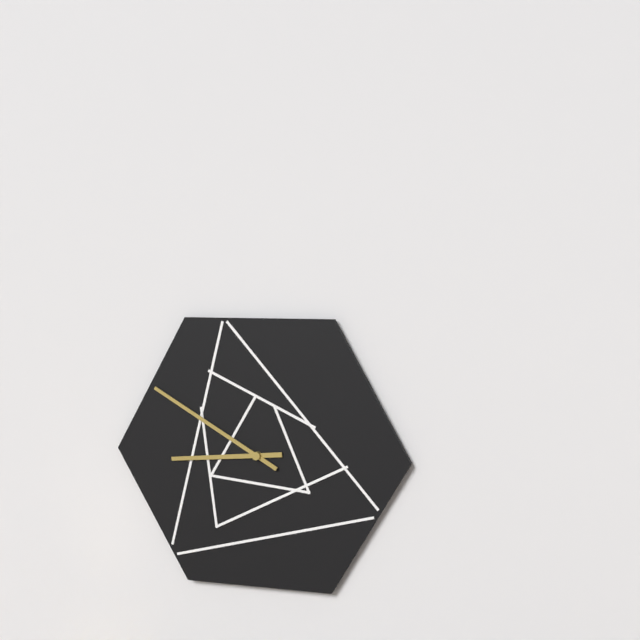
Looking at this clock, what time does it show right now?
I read 8:50
